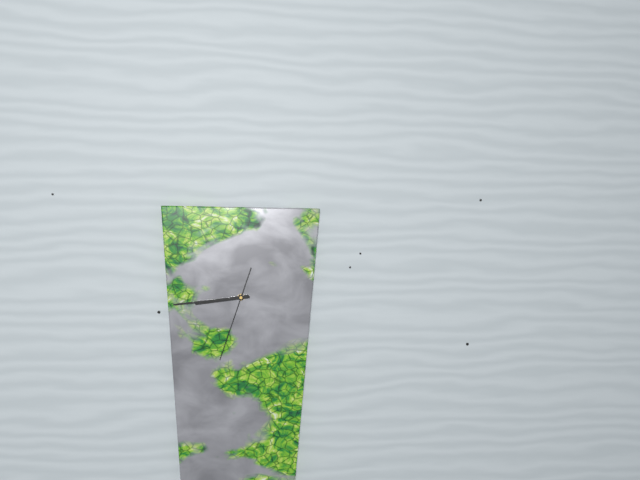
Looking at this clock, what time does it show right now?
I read 8:44:33
